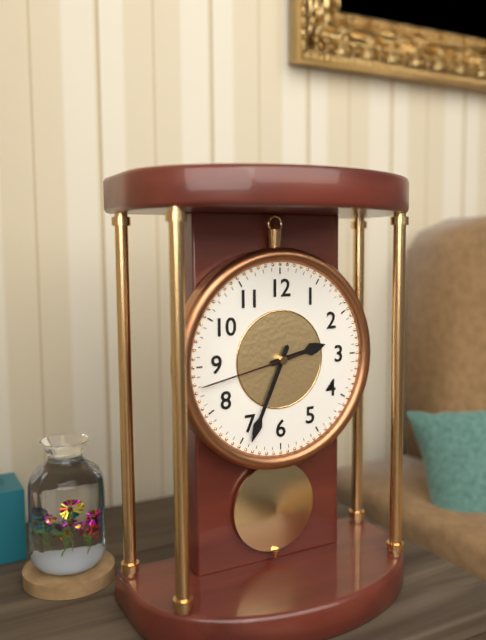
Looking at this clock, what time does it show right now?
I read 2:34:43
